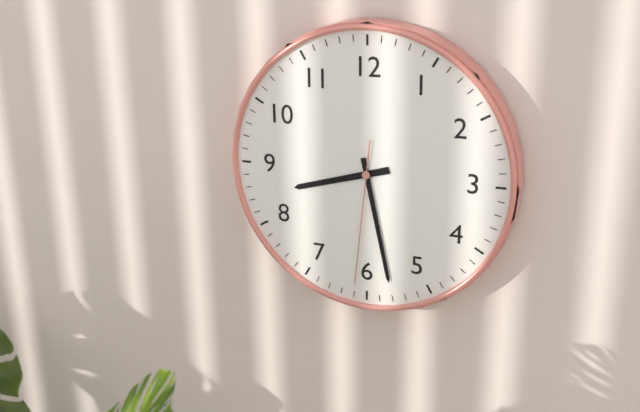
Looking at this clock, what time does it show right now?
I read 8:28:31
